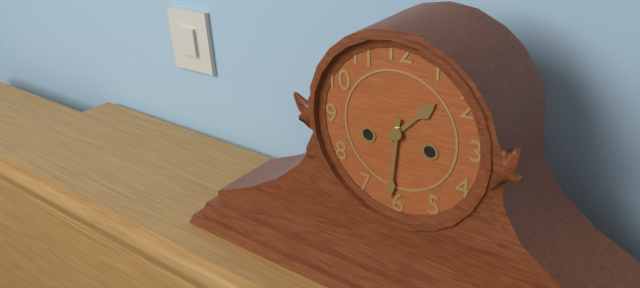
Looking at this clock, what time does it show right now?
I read 1:31
